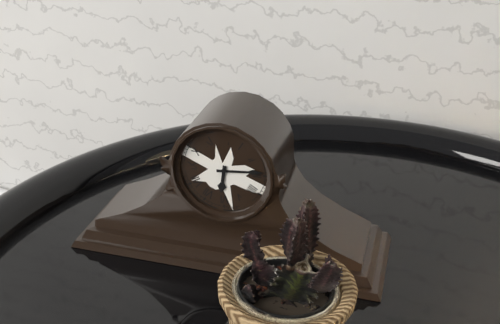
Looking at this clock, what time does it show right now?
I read 6:14
